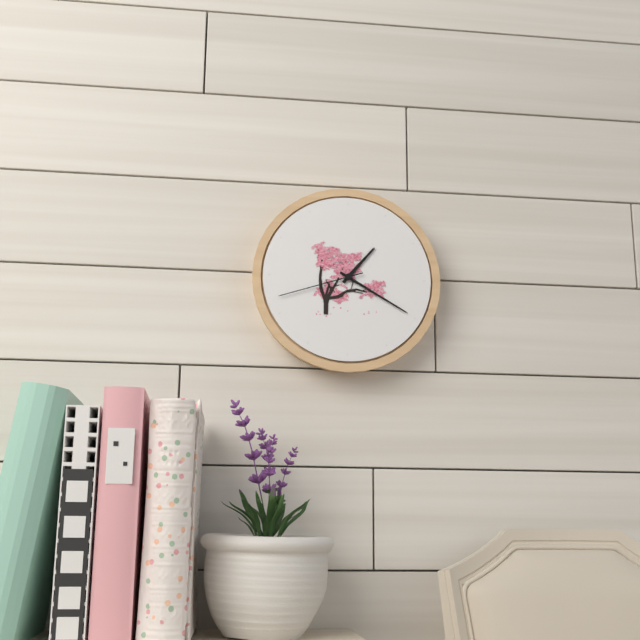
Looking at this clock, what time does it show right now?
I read 1:20:42
